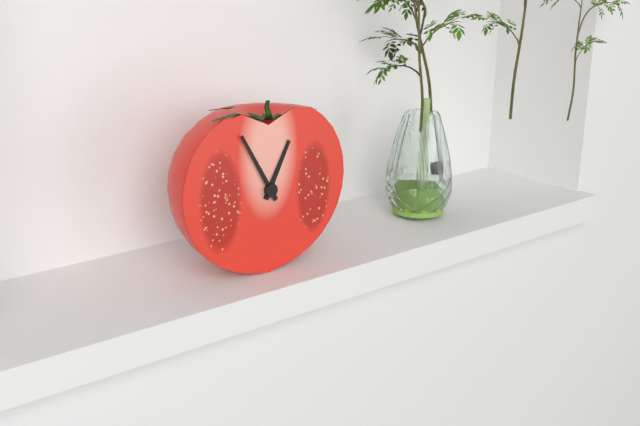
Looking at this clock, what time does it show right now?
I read 12:55
